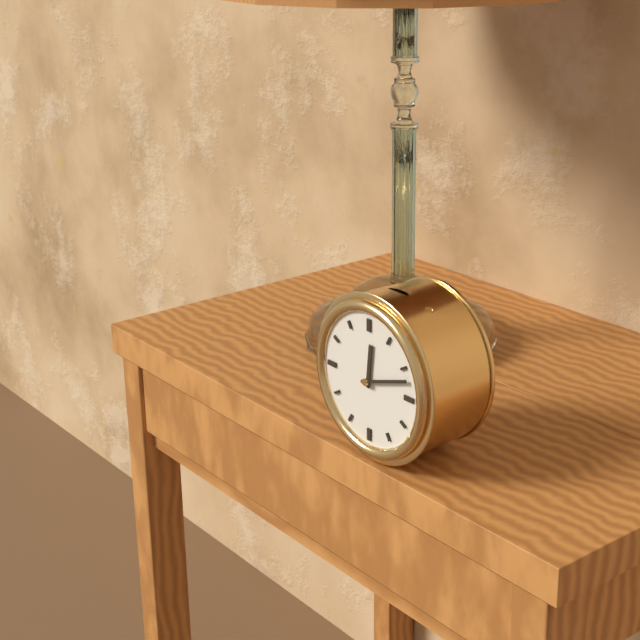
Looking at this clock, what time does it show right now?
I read 12:12
